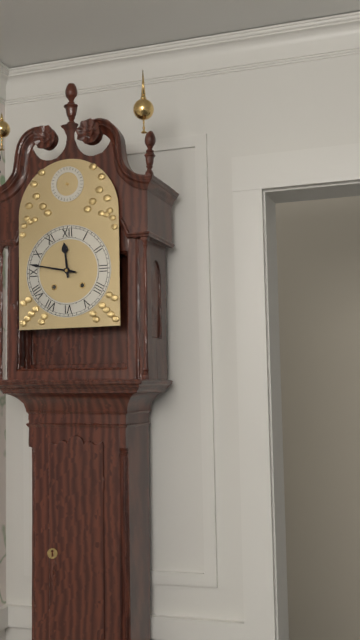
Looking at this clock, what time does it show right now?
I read 11:47
